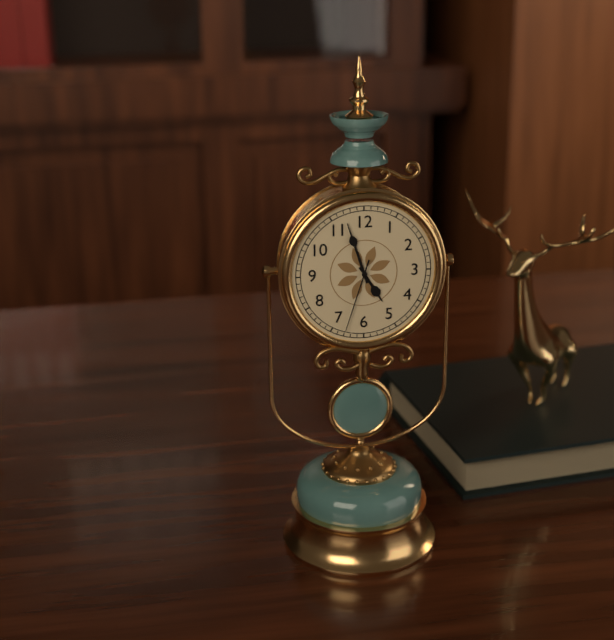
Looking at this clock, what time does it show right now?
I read 4:57:33
